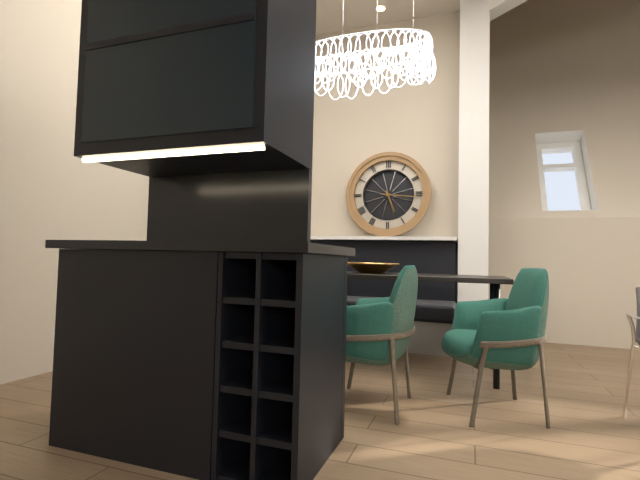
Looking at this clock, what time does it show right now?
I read 5:16
